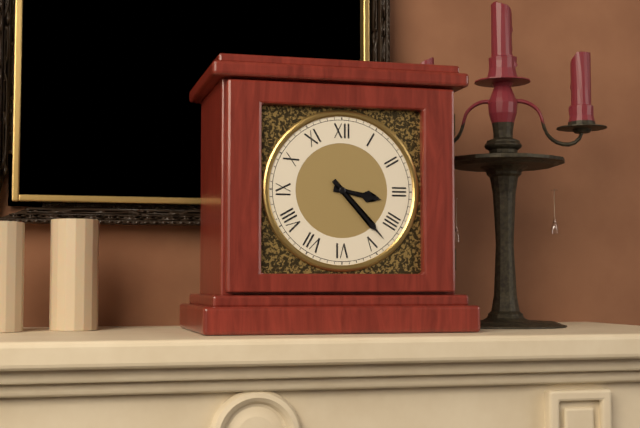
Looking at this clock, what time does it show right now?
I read 3:23
